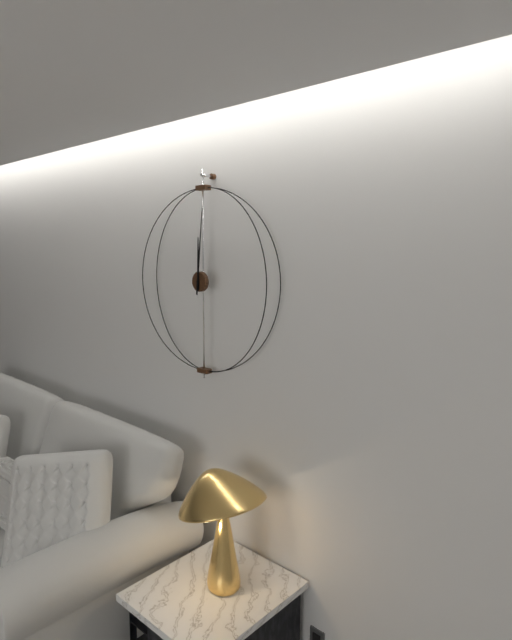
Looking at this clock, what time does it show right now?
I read 12:01
